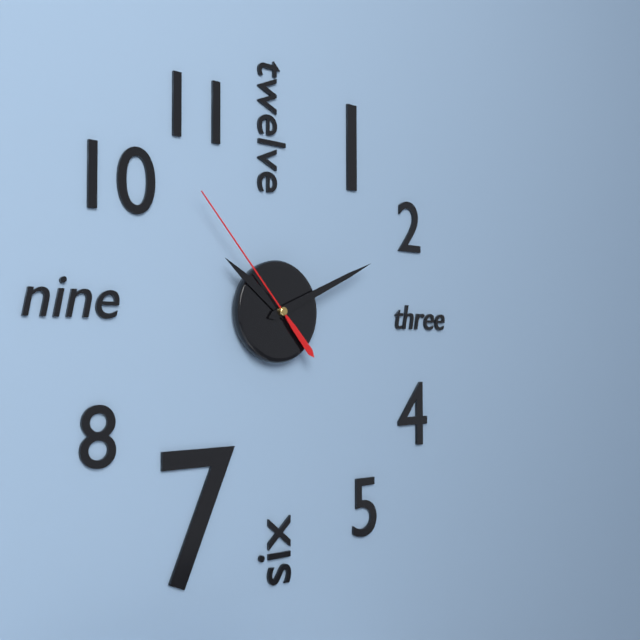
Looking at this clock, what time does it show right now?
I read 10:11:53
